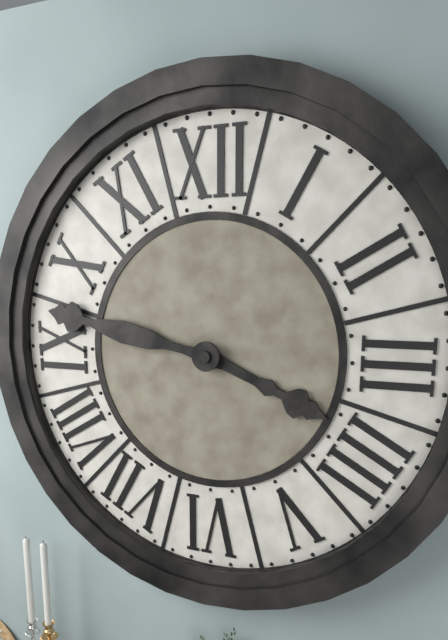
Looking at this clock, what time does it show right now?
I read 3:47
